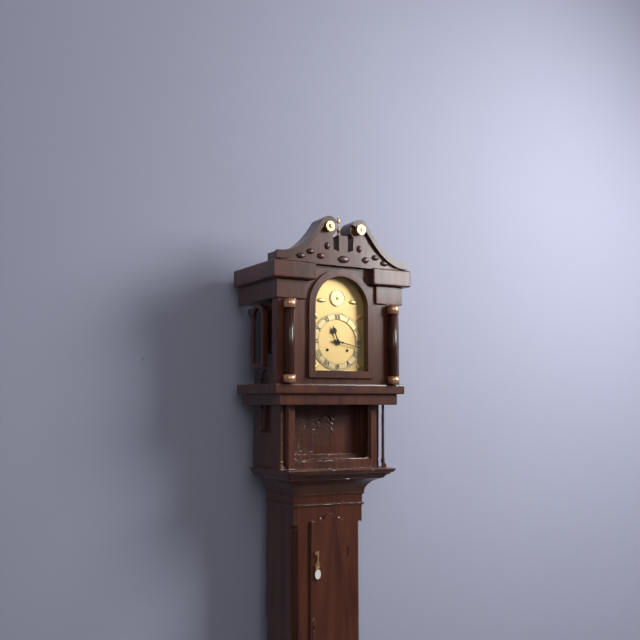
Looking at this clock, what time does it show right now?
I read 11:17
